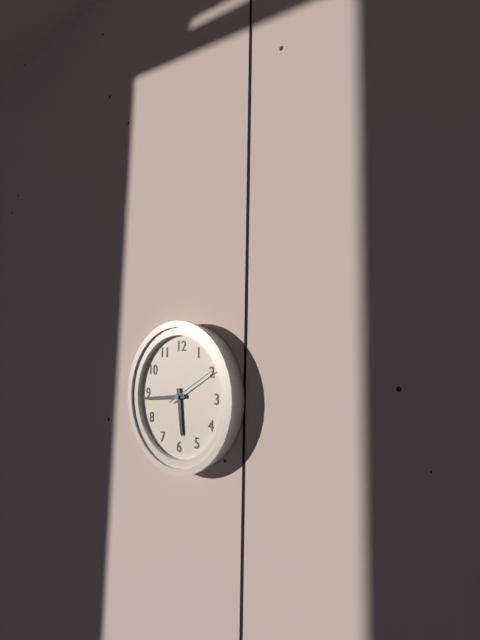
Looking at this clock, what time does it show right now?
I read 5:44:10
